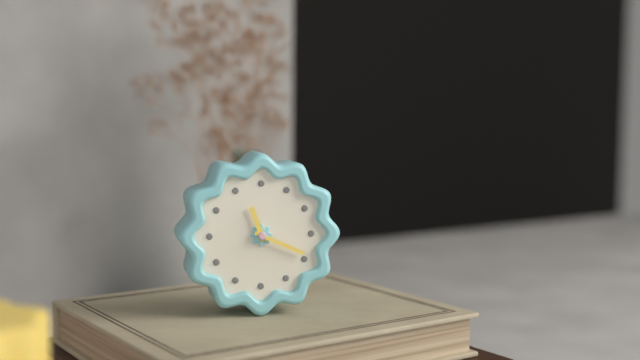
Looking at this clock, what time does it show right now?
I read 11:19
